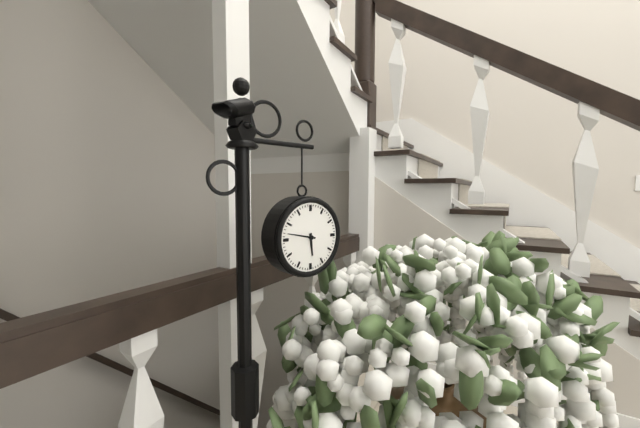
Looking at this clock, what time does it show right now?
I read 5:47
